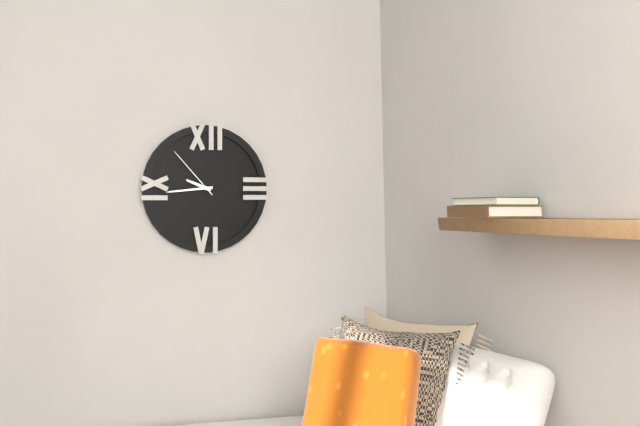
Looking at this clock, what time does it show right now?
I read 9:44:53
